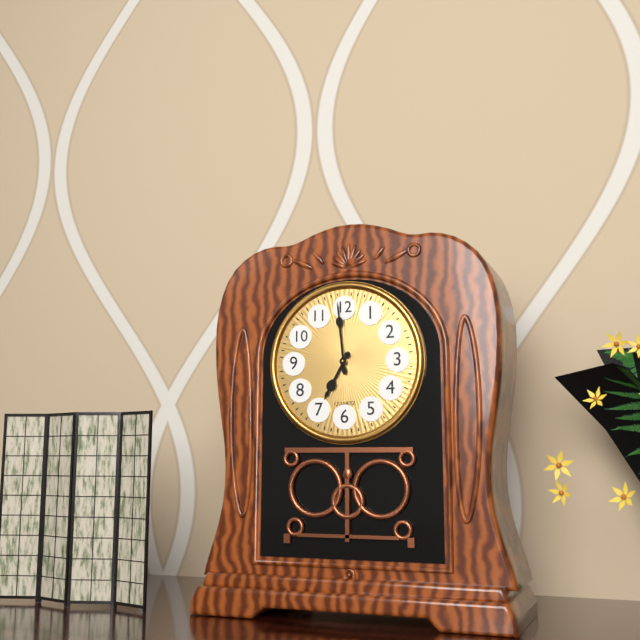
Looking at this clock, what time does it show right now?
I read 6:59
